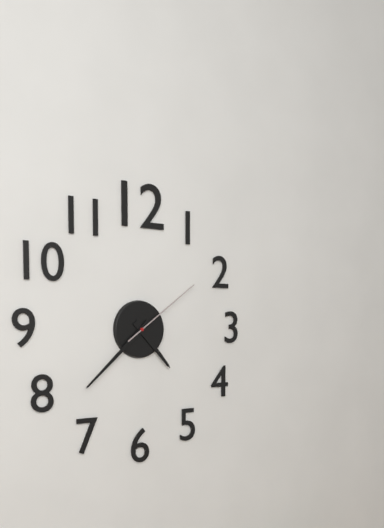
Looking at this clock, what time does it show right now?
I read 4:38:09
